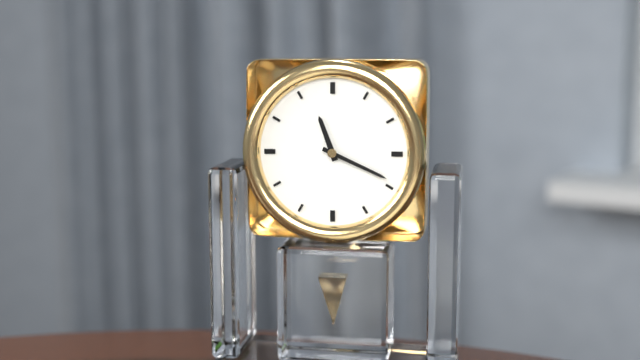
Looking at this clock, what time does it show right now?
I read 11:19
